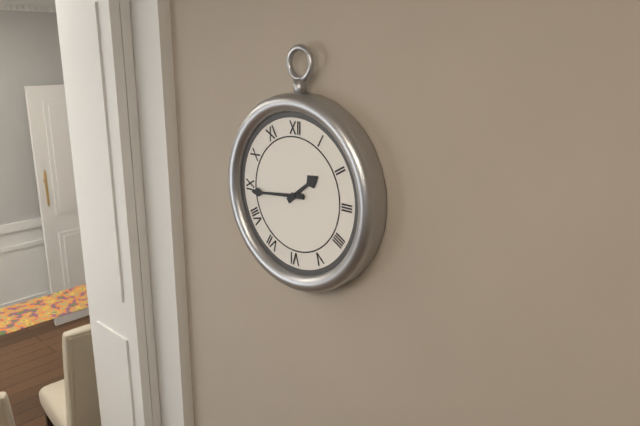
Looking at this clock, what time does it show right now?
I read 1:44
